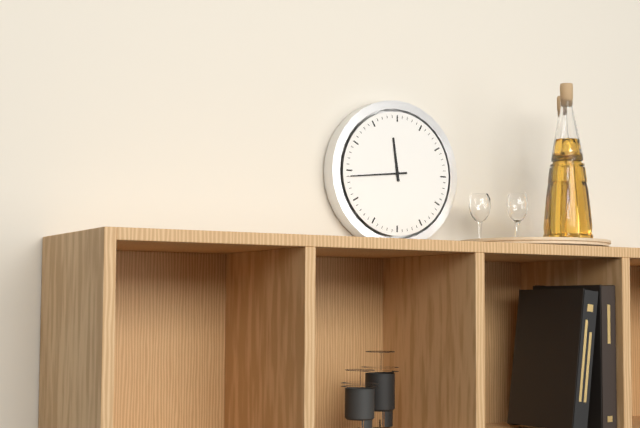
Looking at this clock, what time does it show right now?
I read 11:44
